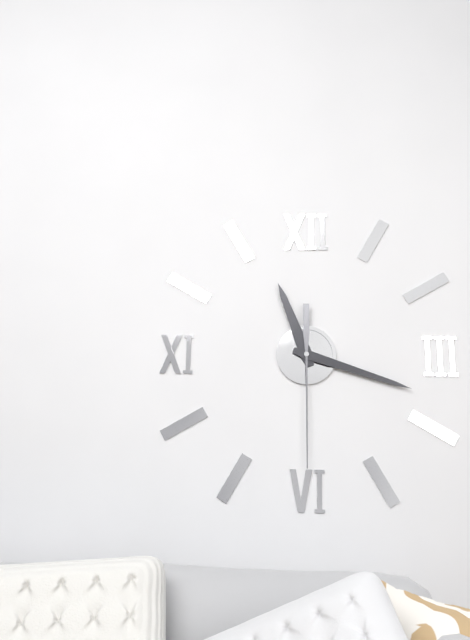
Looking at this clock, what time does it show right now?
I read 11:18:30
